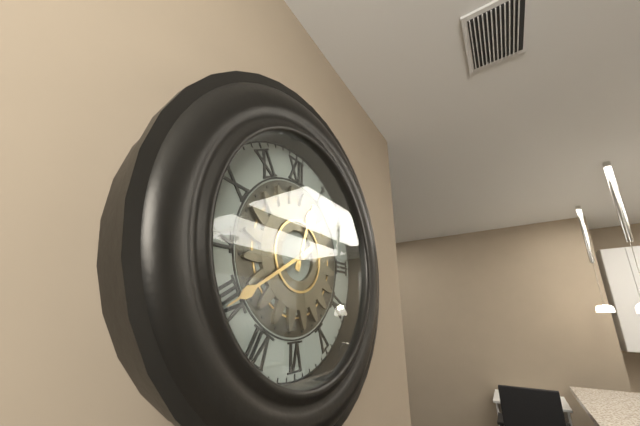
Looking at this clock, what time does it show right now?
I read 12:40
